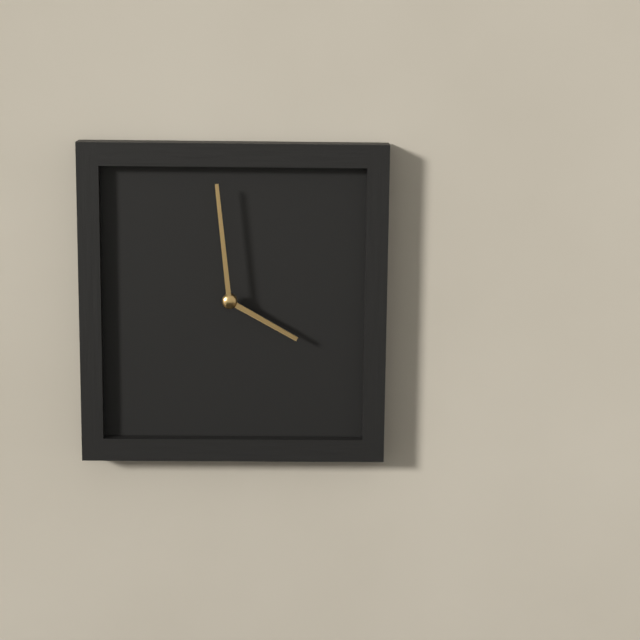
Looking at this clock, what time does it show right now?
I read 3:59
